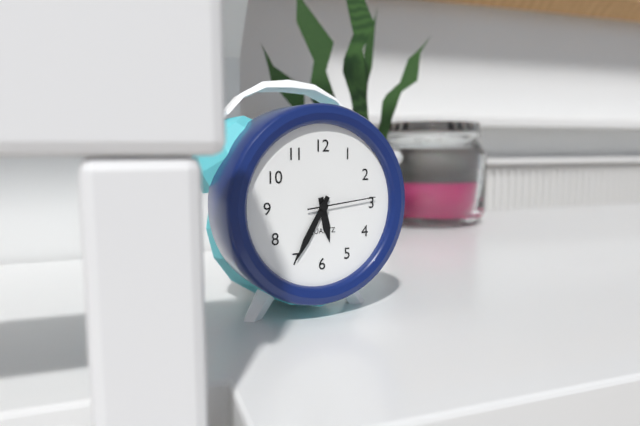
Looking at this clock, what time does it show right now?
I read 5:35:14
